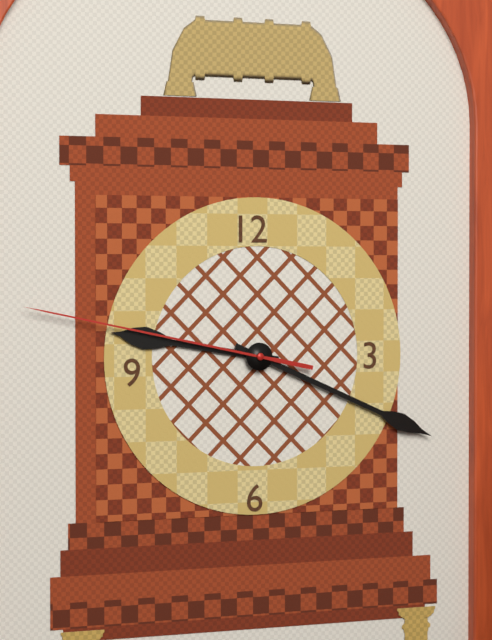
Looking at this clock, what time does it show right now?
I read 9:19:47
